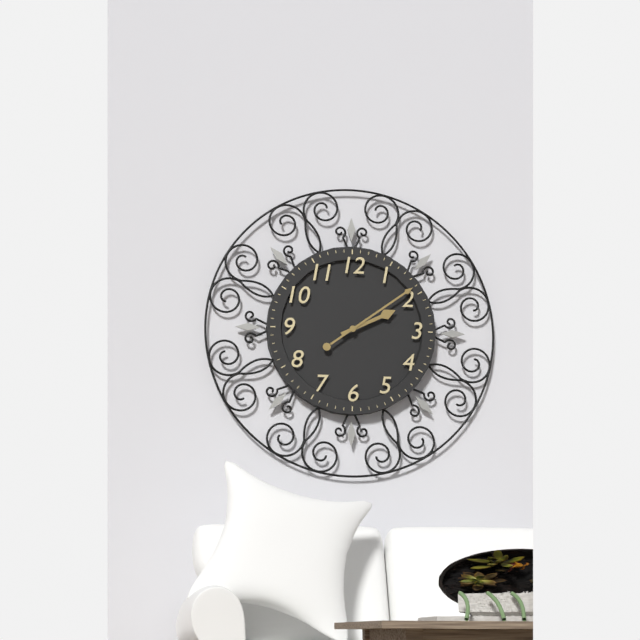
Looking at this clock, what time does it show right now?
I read 2:09
